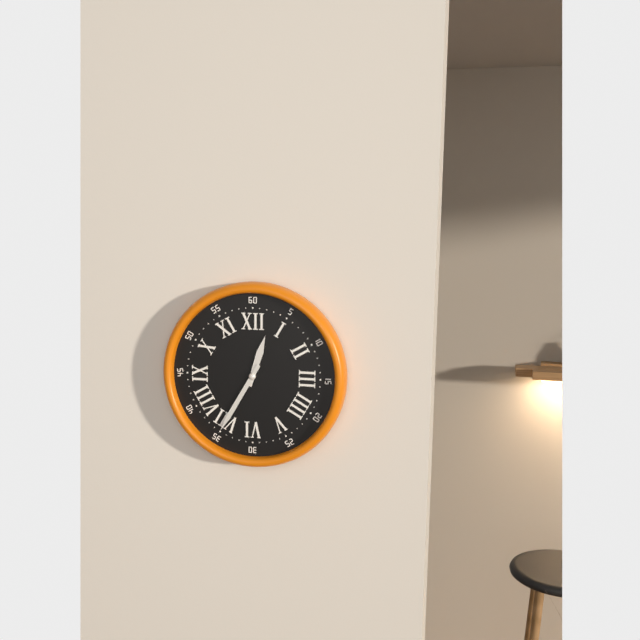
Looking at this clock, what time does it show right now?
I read 12:35
